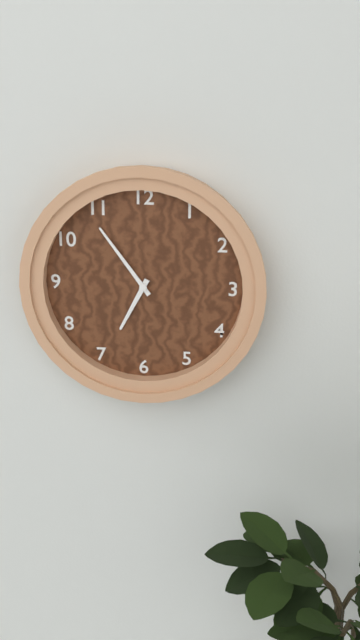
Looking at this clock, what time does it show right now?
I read 6:54
